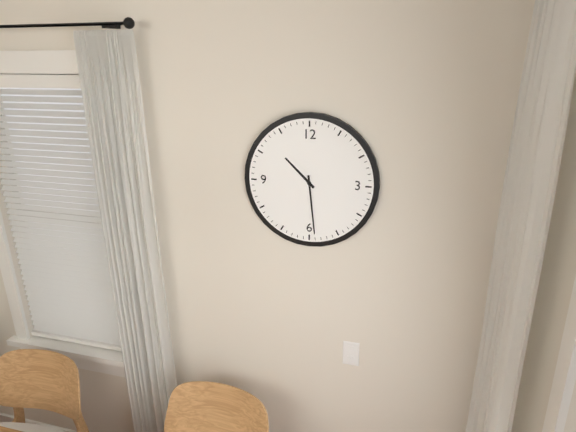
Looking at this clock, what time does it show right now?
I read 10:29
